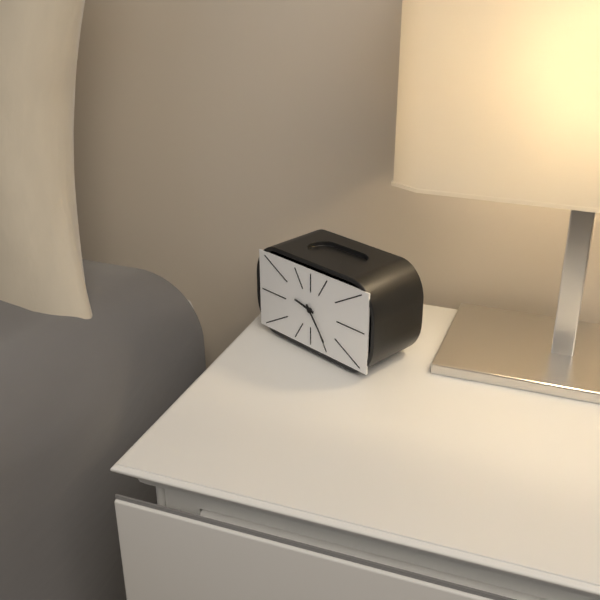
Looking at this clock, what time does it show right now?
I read 9:24
